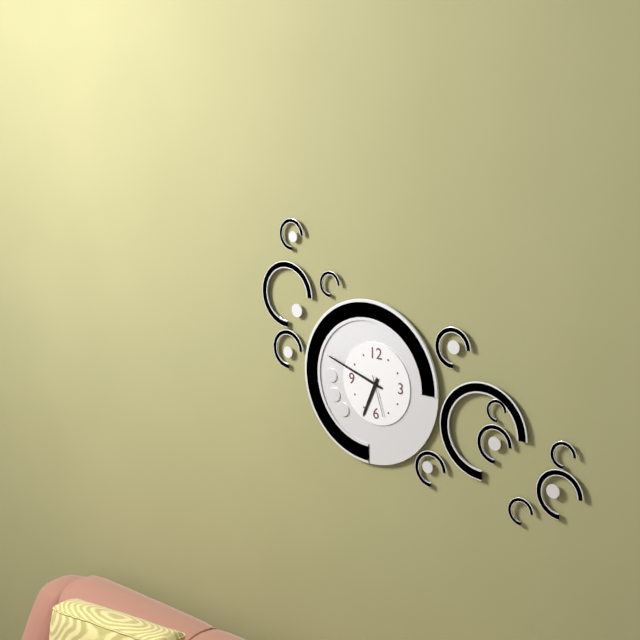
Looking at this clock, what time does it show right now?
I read 6:48
